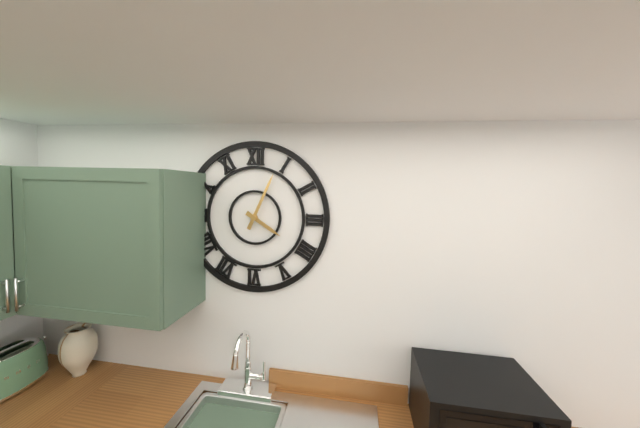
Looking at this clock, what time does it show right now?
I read 4:04
